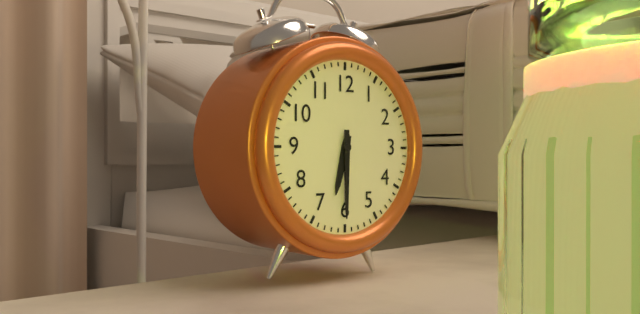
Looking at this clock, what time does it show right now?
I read 6:30
